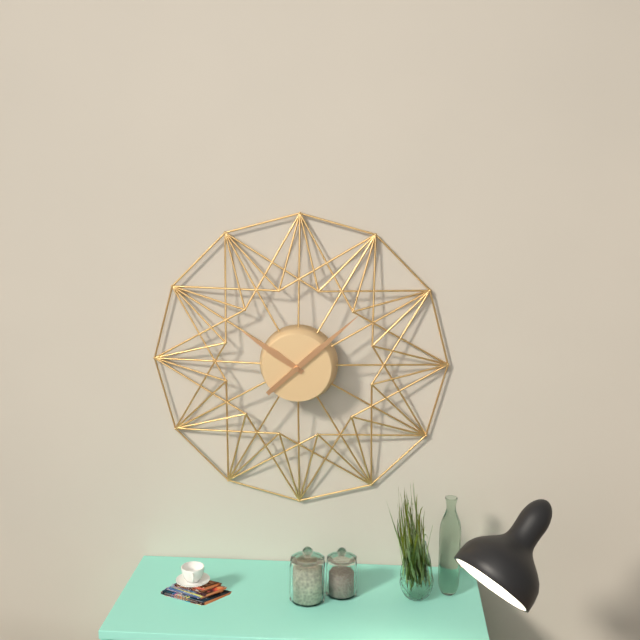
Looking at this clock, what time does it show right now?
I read 10:08
